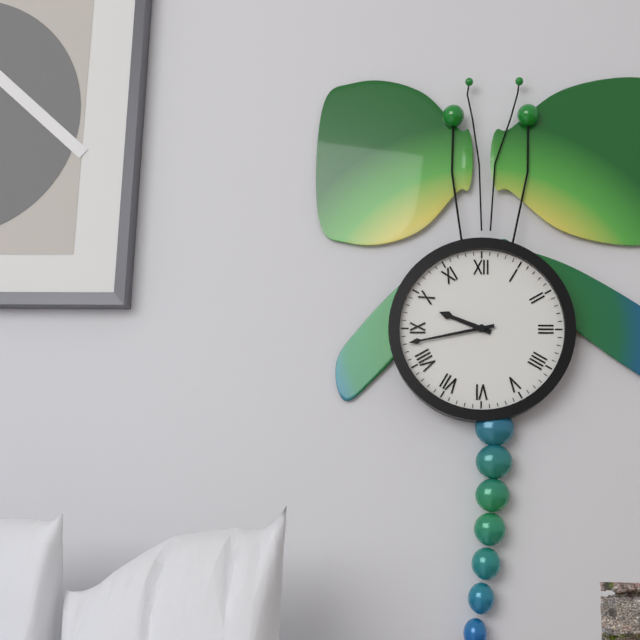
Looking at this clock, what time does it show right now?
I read 9:43
